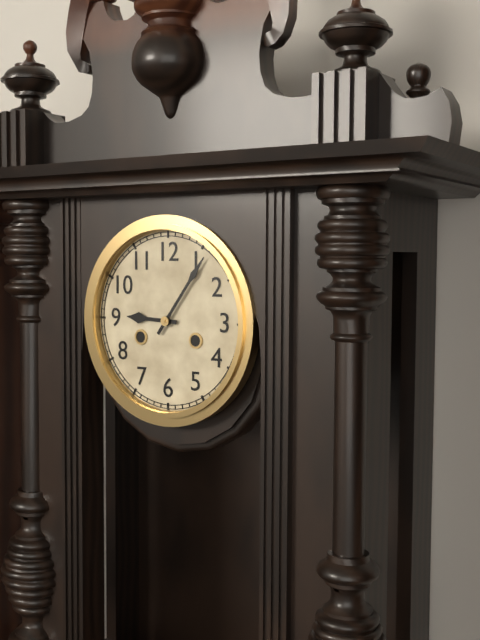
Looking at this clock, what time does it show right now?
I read 9:06
